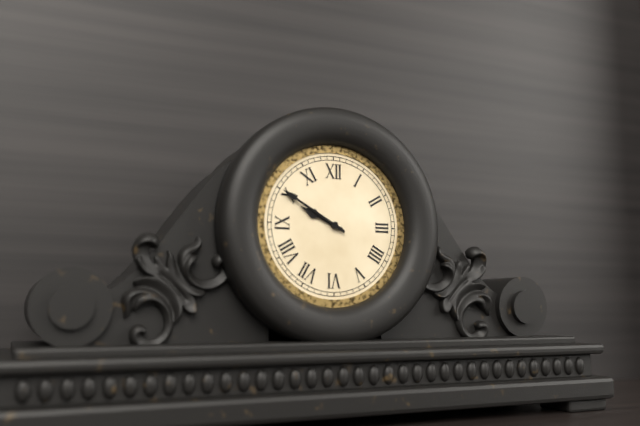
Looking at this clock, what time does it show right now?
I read 9:50
